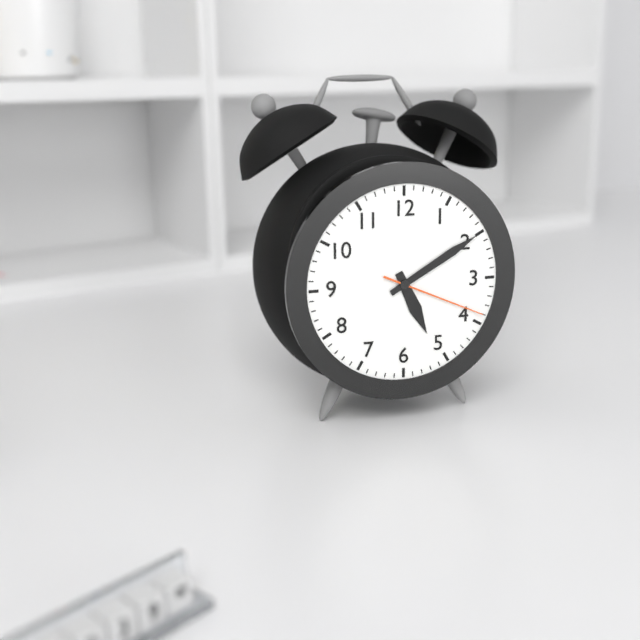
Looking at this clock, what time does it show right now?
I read 5:10:19
